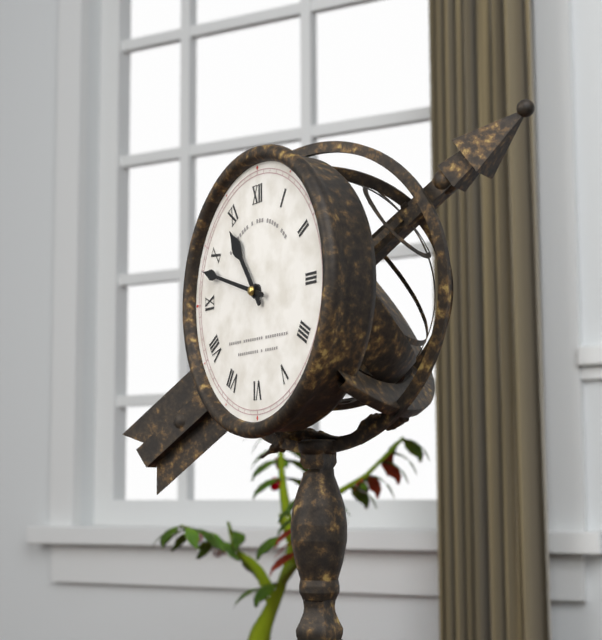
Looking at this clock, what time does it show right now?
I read 10:48
